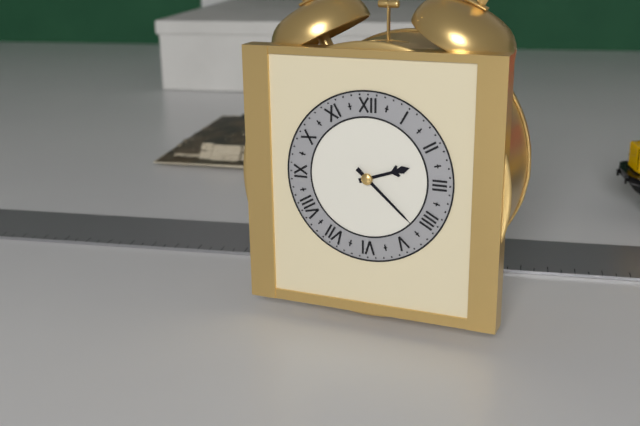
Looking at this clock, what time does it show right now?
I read 2:22
